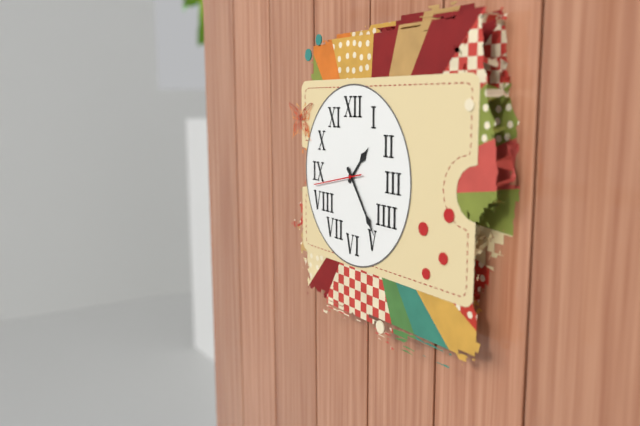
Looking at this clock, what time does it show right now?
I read 1:24
